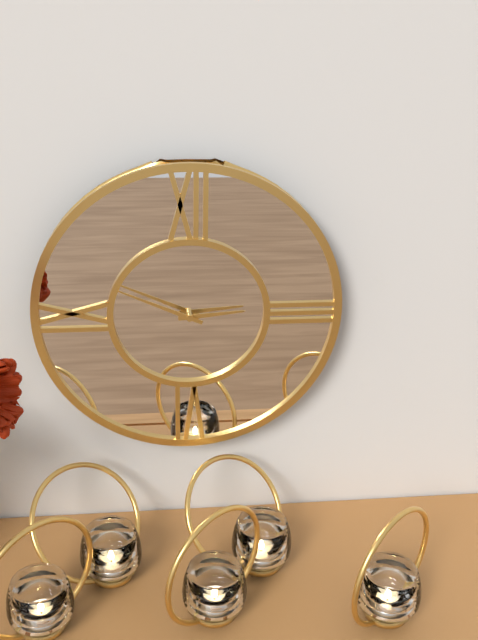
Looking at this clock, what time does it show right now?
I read 2:49
